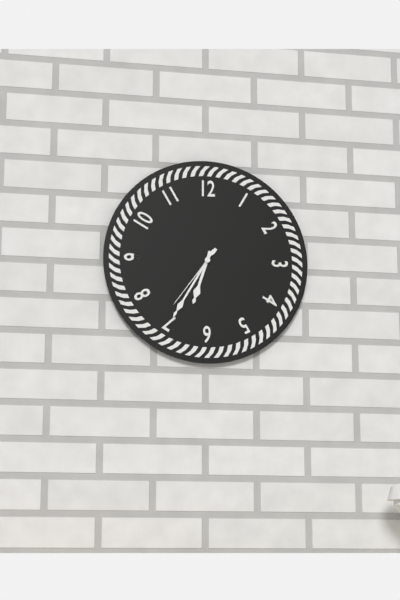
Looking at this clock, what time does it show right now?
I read 6:35:36
